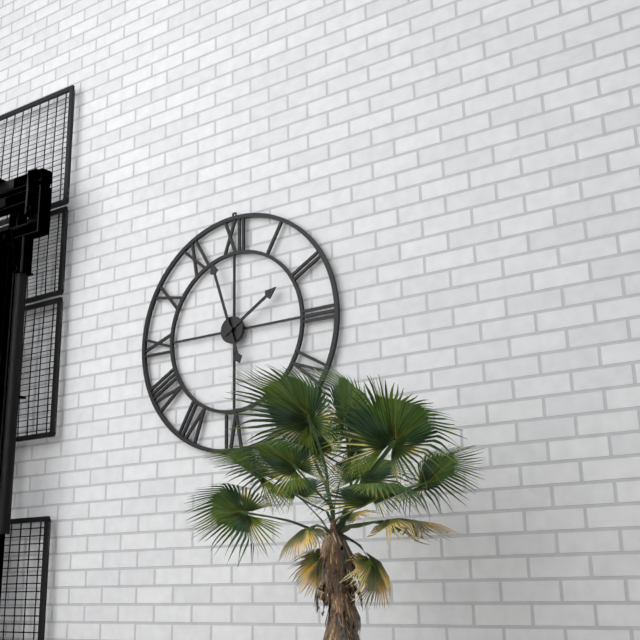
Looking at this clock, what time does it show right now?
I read 1:57
